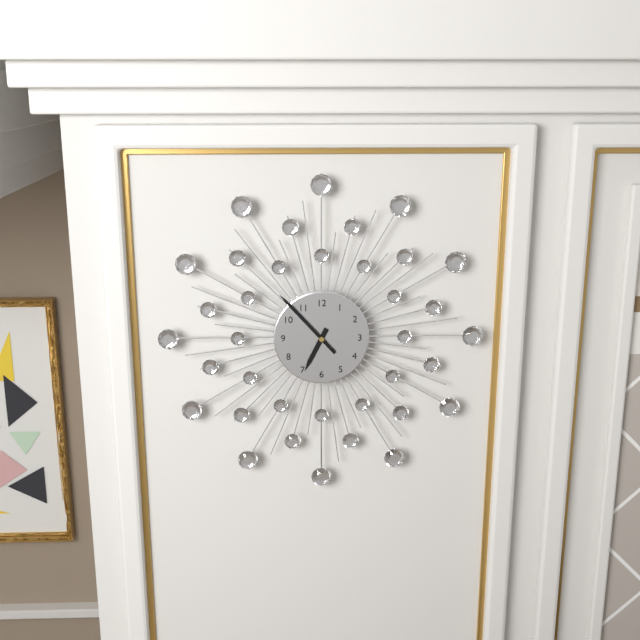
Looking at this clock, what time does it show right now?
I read 6:53
